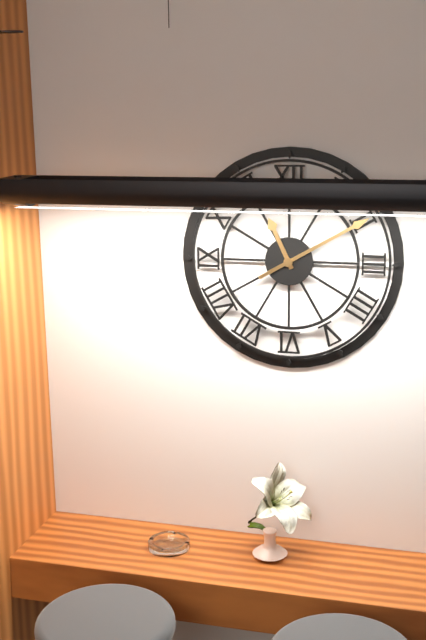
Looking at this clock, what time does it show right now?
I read 11:10
